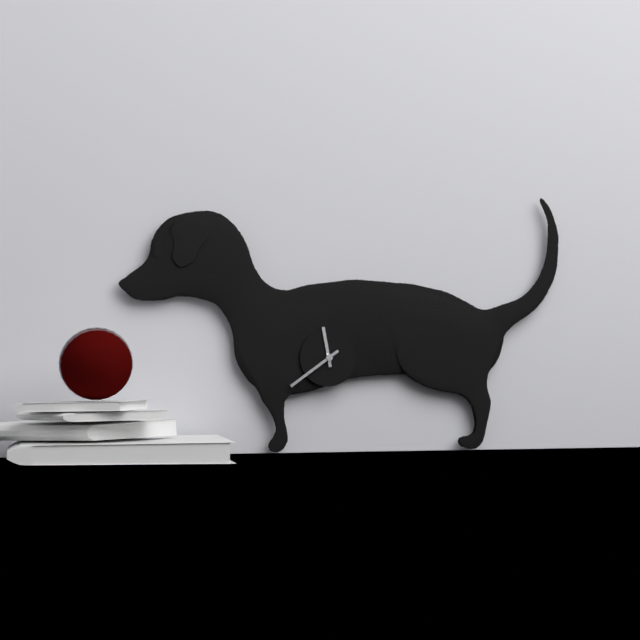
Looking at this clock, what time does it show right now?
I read 11:39
